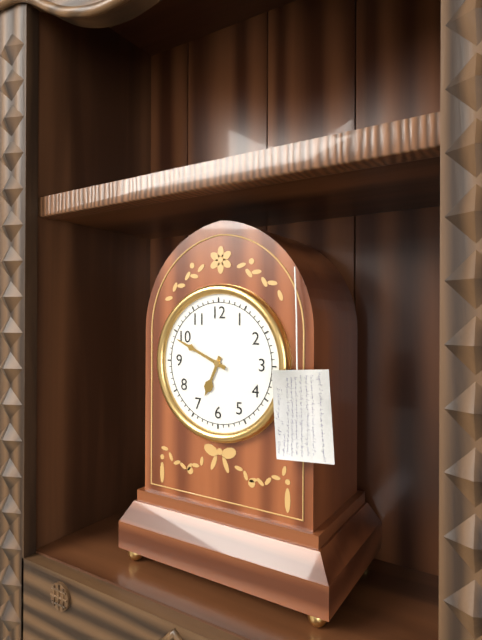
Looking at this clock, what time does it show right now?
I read 6:49
